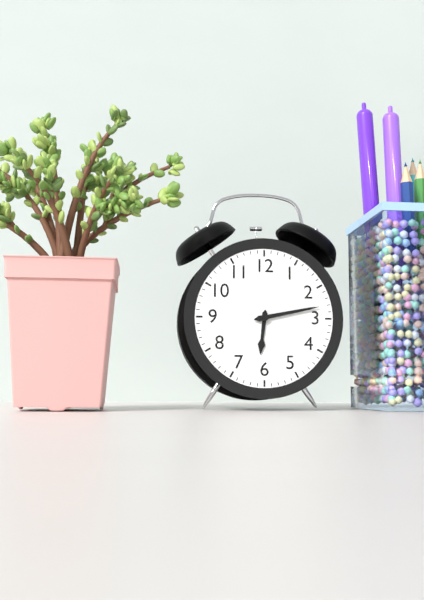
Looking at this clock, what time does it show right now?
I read 6:13
